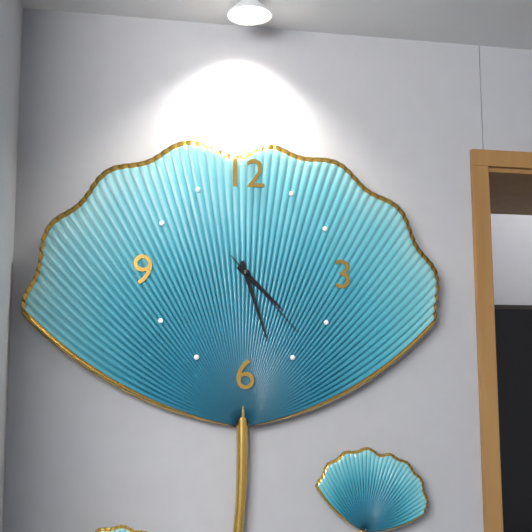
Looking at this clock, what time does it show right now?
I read 4:27:23
